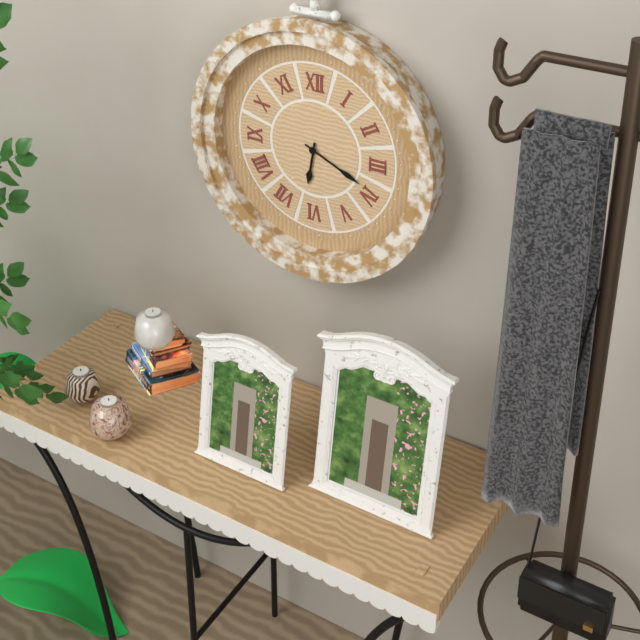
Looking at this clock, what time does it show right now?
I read 6:19
